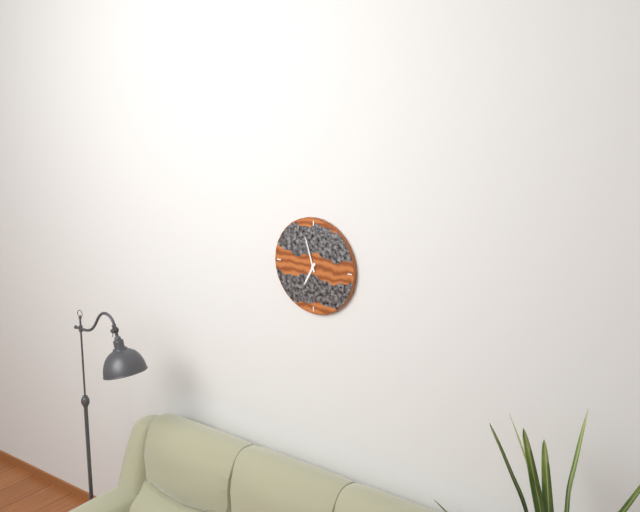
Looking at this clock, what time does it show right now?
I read 6:57
